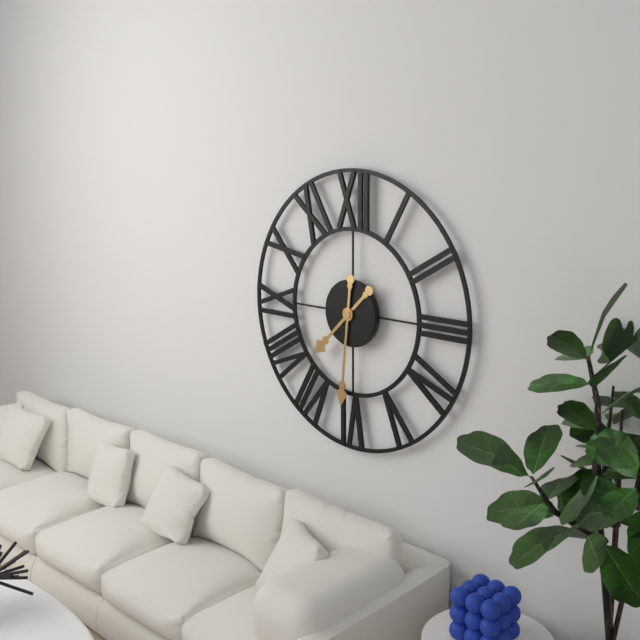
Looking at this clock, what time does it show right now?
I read 7:31
